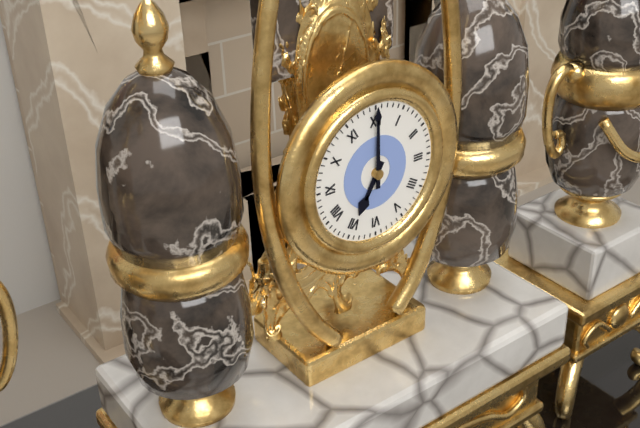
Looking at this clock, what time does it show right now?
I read 7:00
